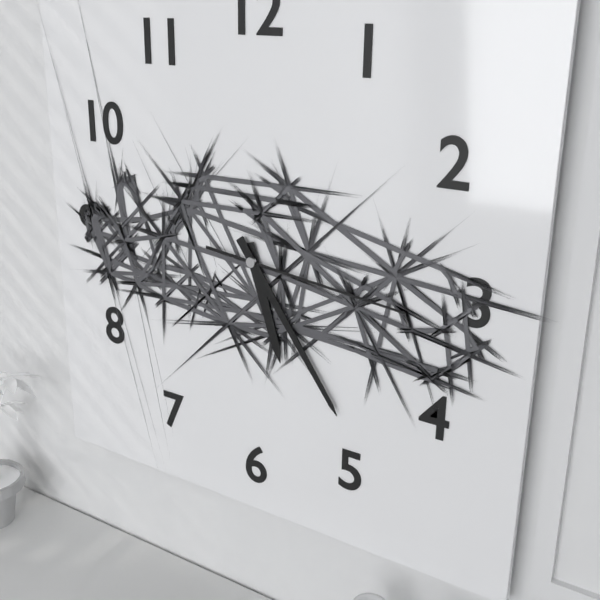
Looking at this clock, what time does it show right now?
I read 5:24:16
